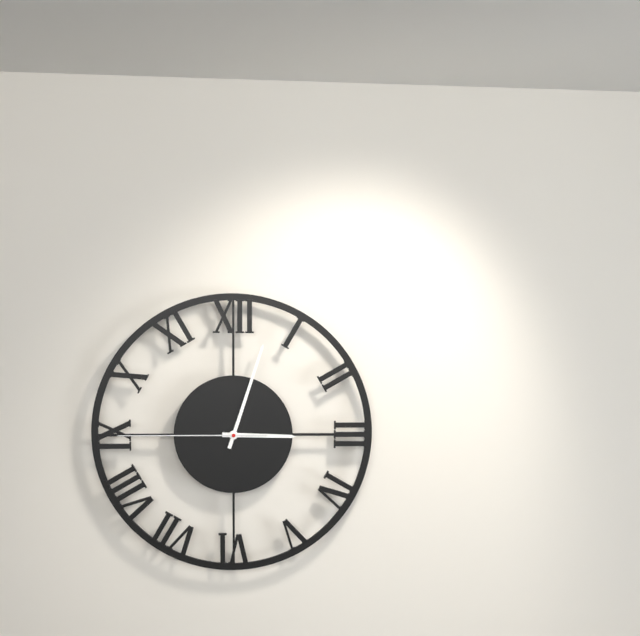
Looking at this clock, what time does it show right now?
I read 3:03:45
